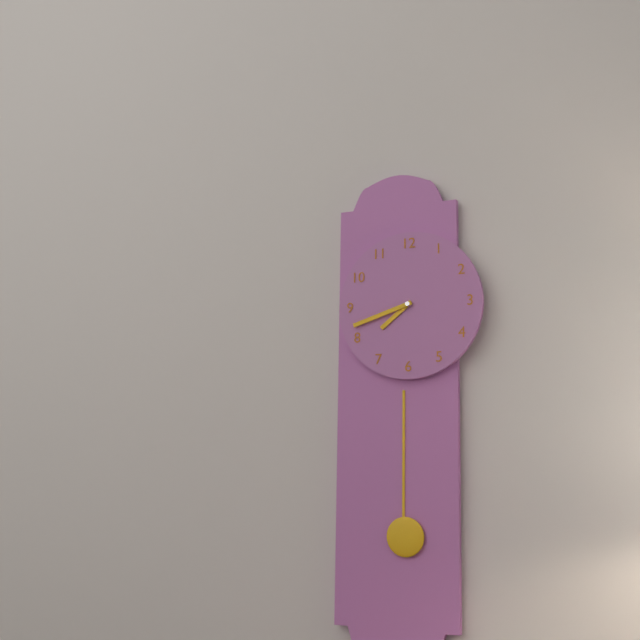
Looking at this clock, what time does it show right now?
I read 7:42
